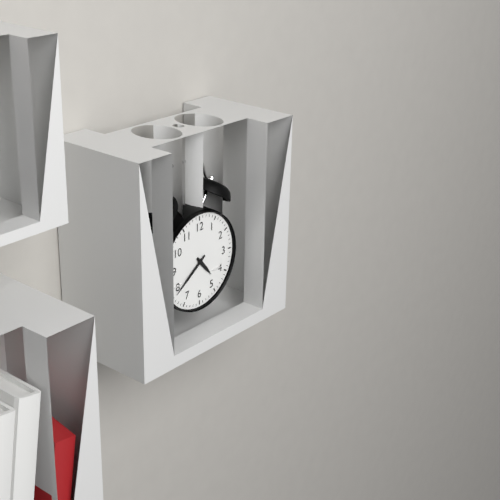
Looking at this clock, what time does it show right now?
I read 4:39
